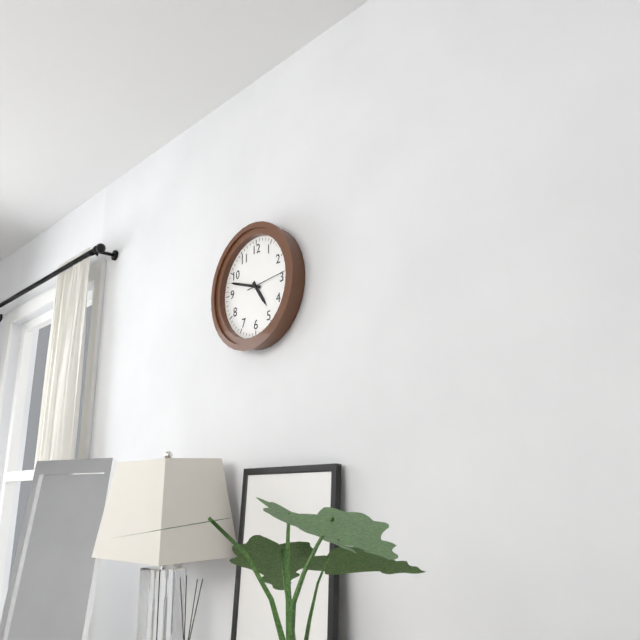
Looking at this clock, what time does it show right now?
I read 4:48
